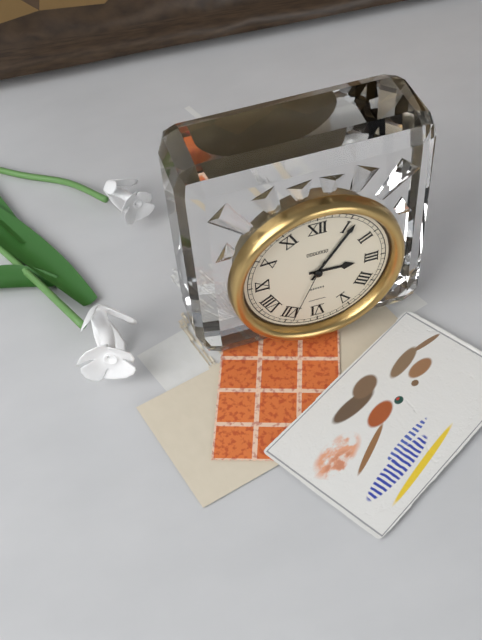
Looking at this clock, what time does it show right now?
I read 3:06:34
